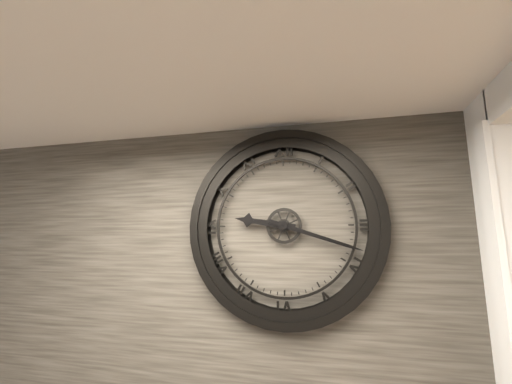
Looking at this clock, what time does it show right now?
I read 9:18
